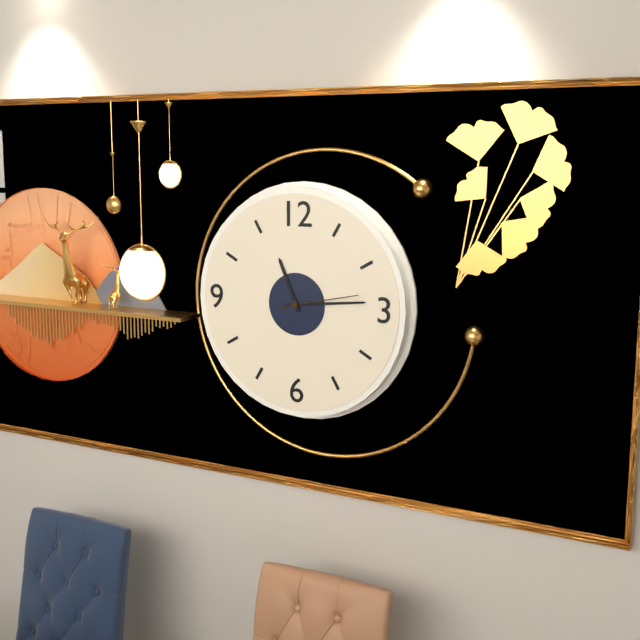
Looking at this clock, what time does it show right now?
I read 11:14:13
